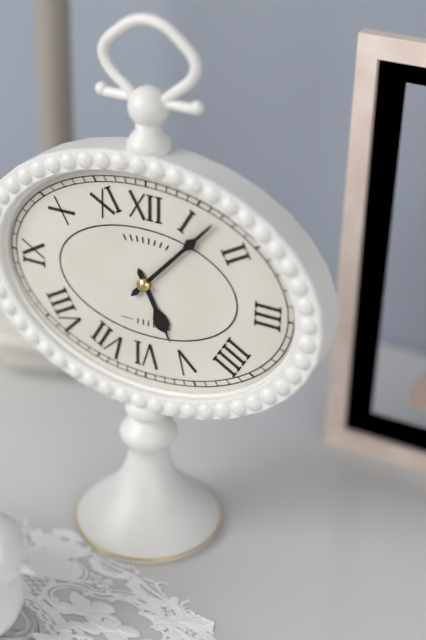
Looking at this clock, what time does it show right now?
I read 5:07
